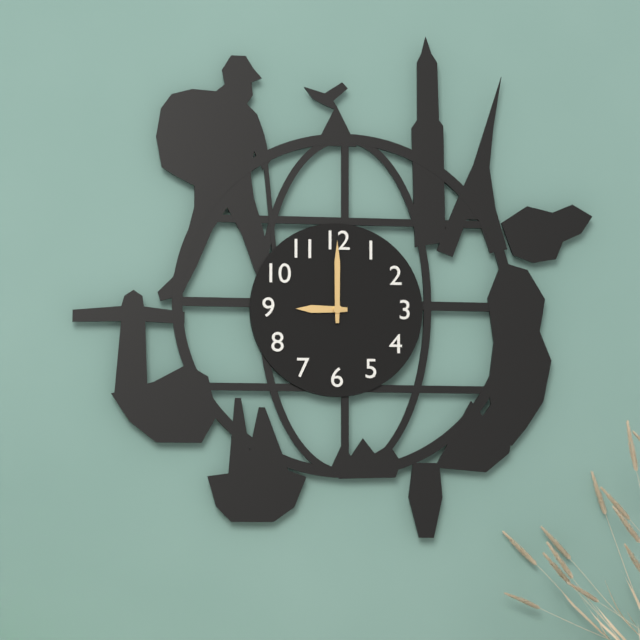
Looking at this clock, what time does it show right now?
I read 9:00
